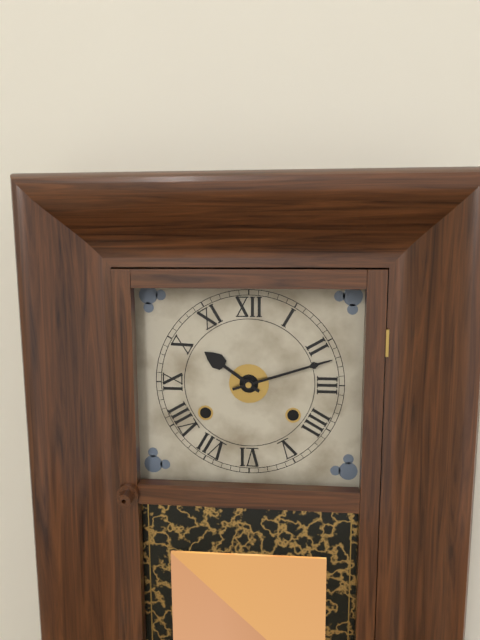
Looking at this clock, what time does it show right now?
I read 10:12
